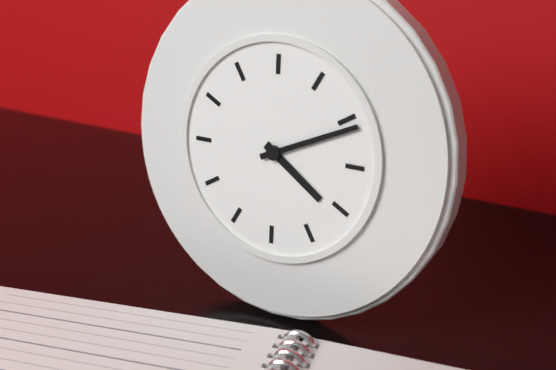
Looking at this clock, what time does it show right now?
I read 4:11
